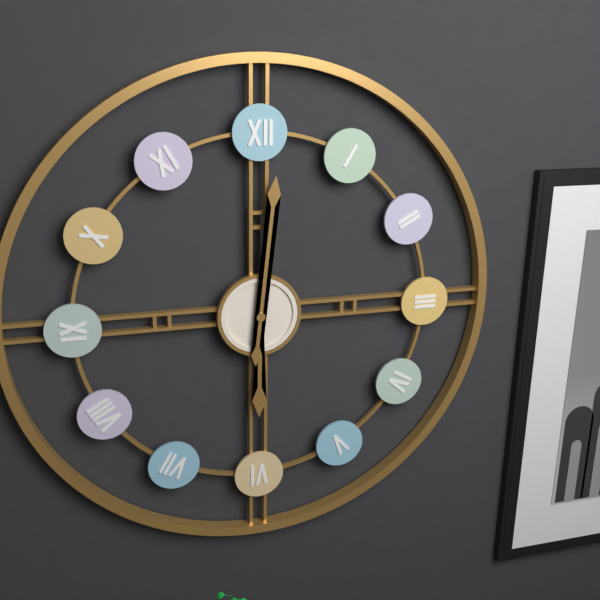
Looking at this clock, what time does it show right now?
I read 6:01
